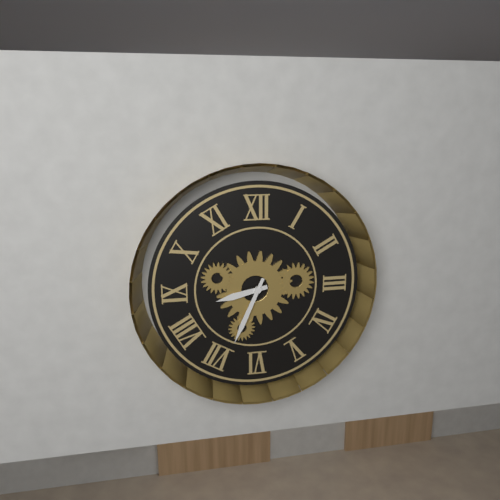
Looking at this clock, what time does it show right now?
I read 8:34
